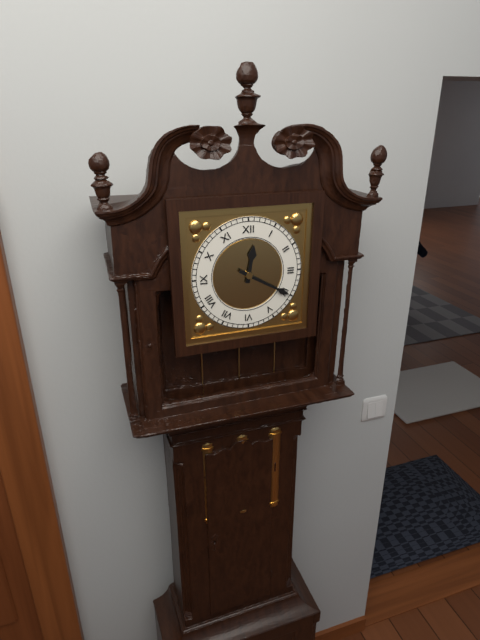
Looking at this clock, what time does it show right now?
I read 12:20
